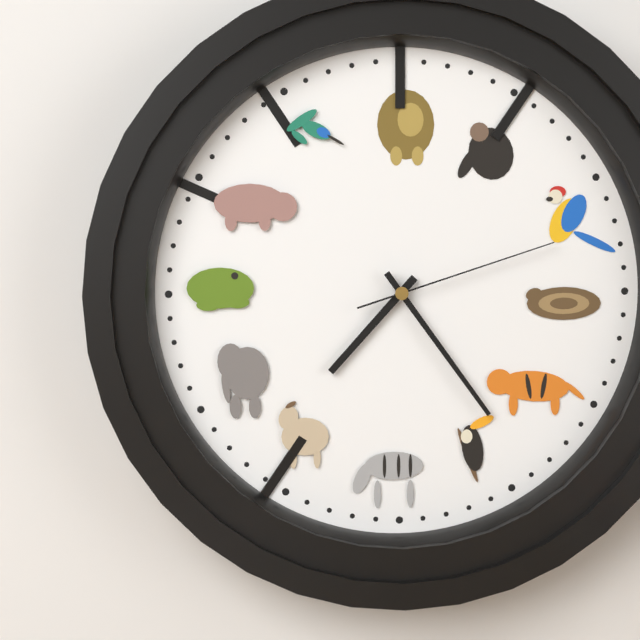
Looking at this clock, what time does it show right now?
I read 7:24:12
